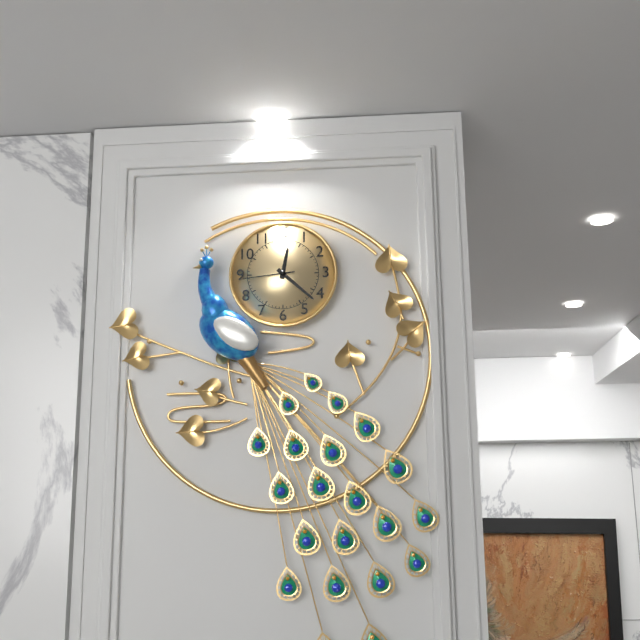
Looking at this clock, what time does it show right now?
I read 12:22:44
